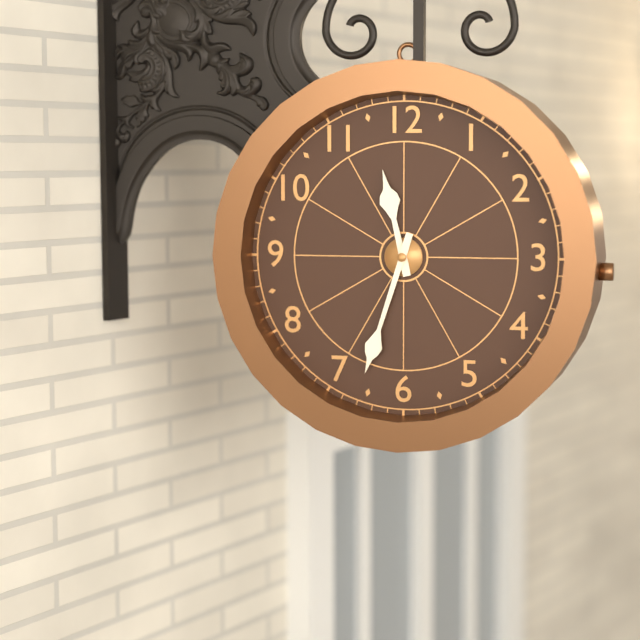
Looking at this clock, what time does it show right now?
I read 11:33
